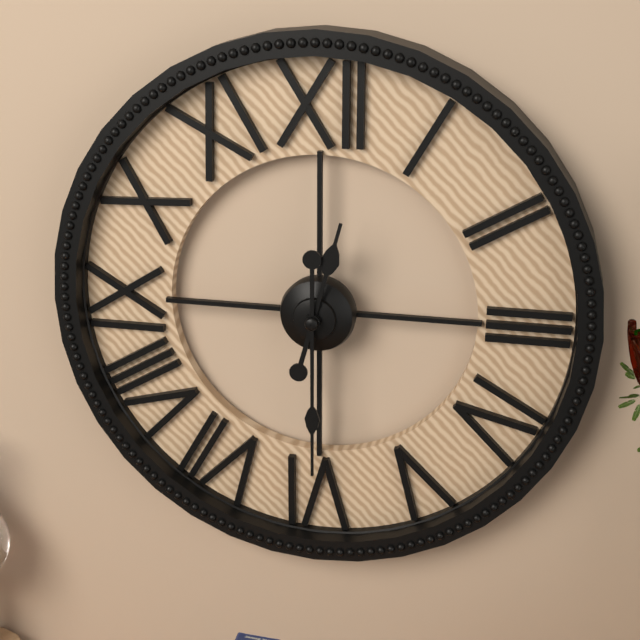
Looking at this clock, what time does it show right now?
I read 12:30
